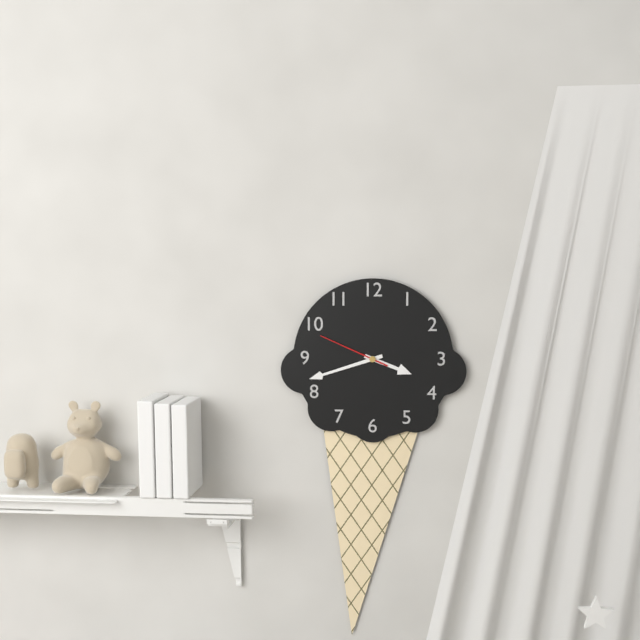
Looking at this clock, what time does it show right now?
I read 3:42:49
